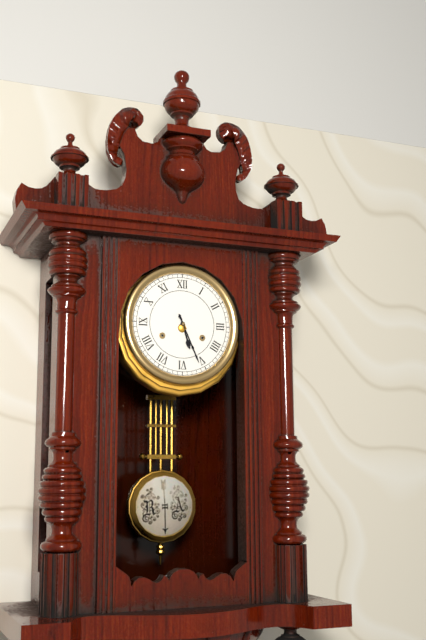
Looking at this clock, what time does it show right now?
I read 5:26
